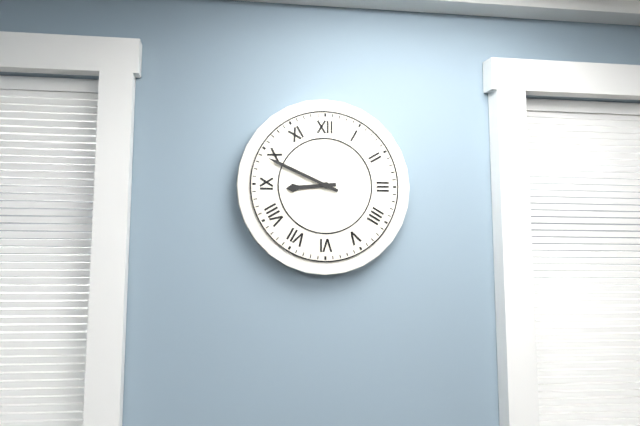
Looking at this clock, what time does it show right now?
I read 8:49
